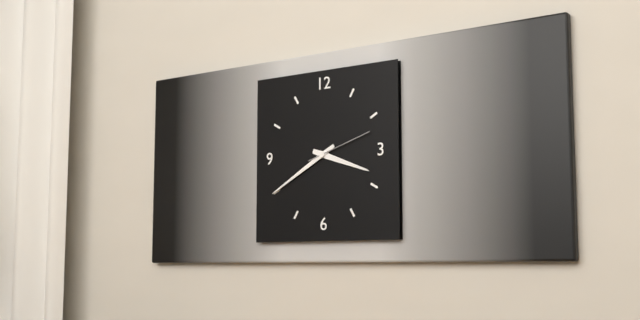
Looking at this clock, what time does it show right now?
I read 3:40:12
